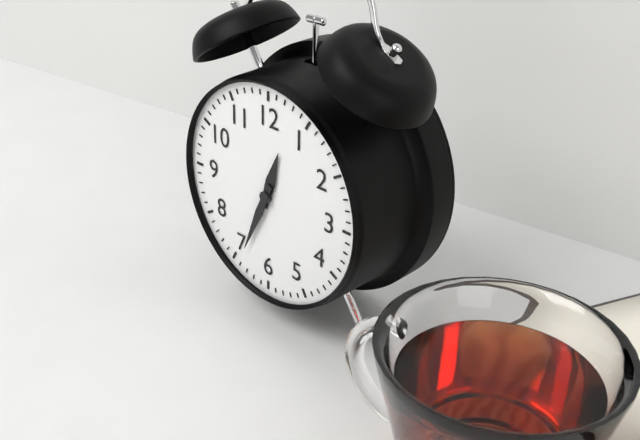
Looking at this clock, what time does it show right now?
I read 12:34
